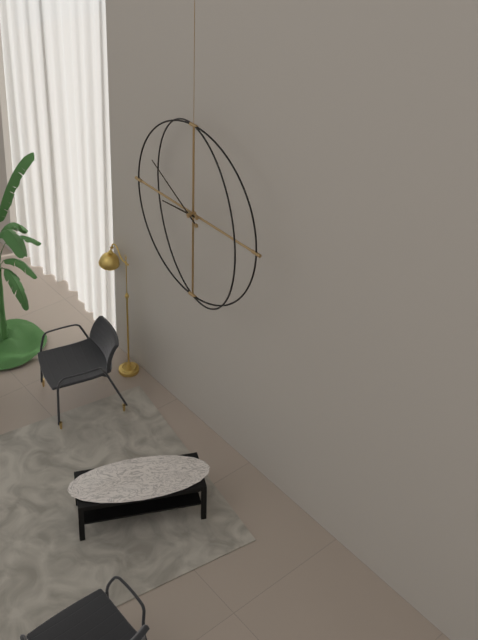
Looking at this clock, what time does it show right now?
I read 8:50
